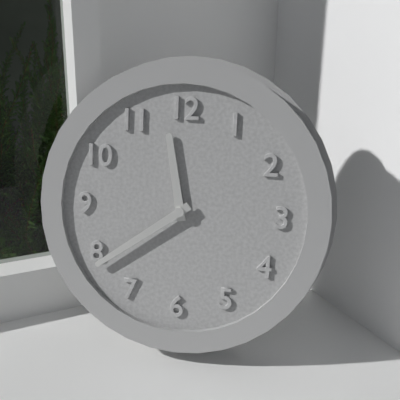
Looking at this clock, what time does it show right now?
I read 11:39
